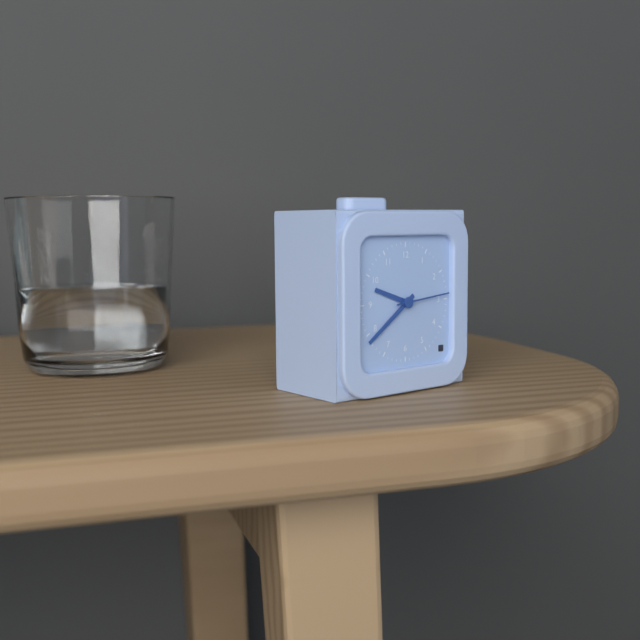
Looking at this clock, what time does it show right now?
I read 9:39:14
